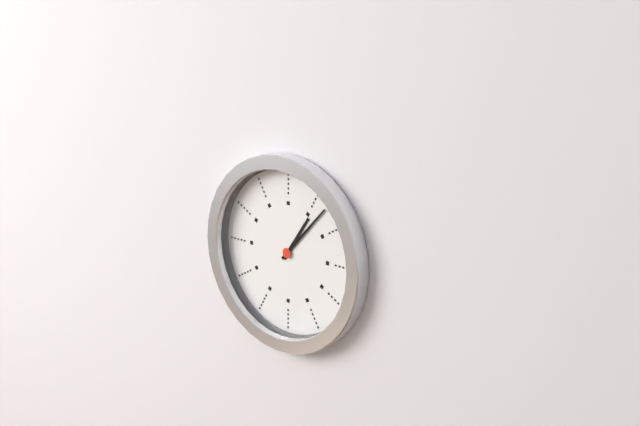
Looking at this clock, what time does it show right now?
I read 1:07
